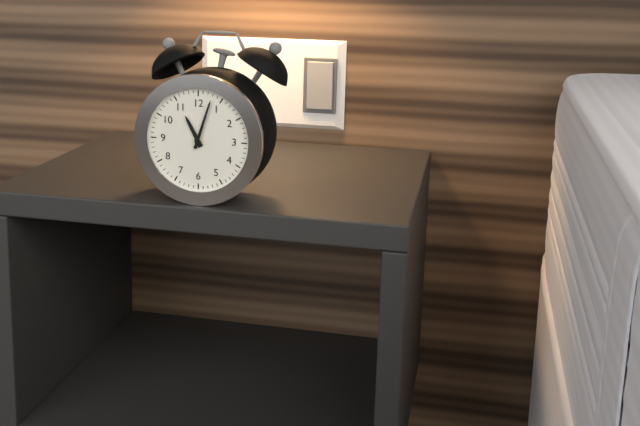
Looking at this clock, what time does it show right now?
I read 11:03
